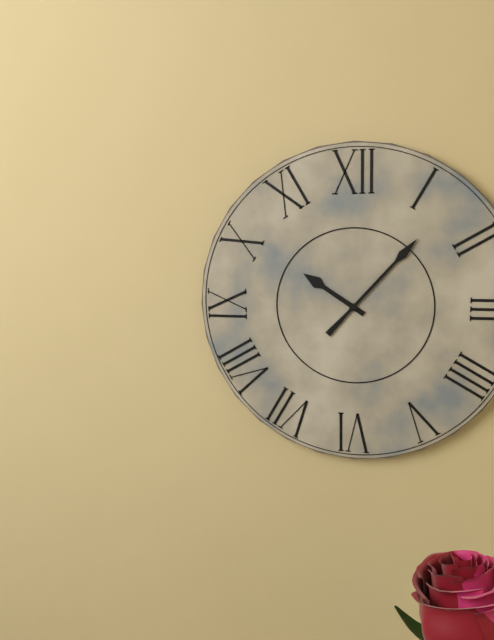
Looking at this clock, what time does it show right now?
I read 10:07
